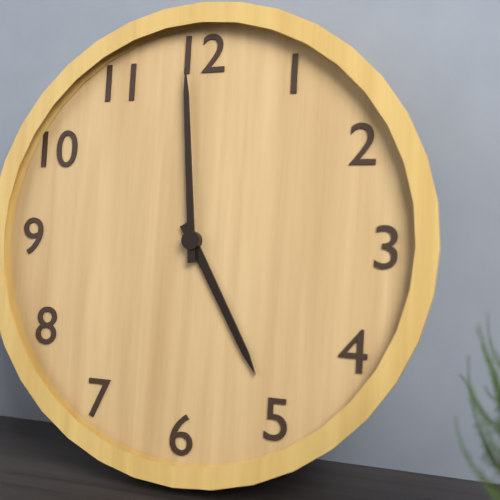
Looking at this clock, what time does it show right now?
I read 4:59
